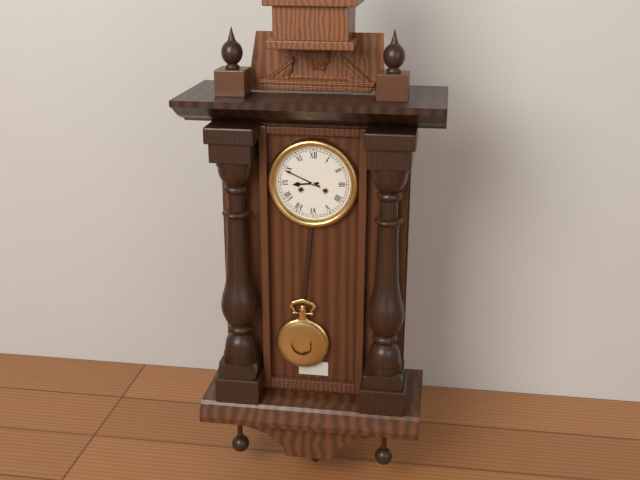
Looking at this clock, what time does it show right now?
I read 8:49
